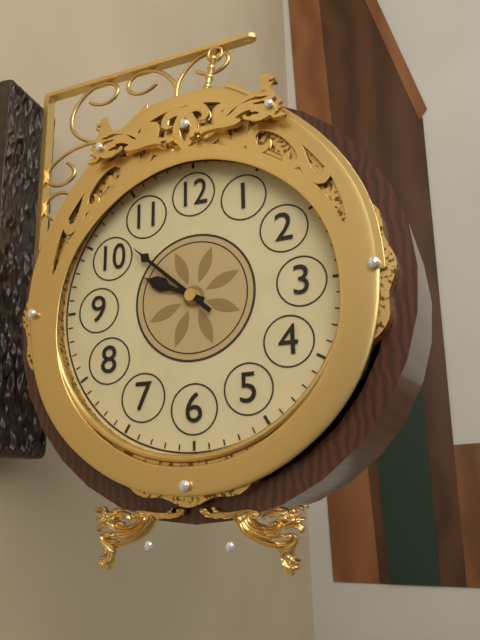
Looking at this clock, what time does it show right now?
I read 9:52
